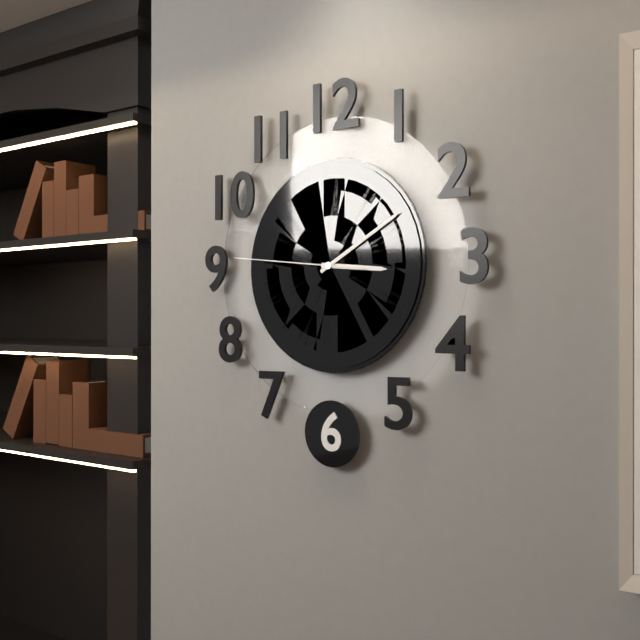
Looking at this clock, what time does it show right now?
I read 3:10:46
